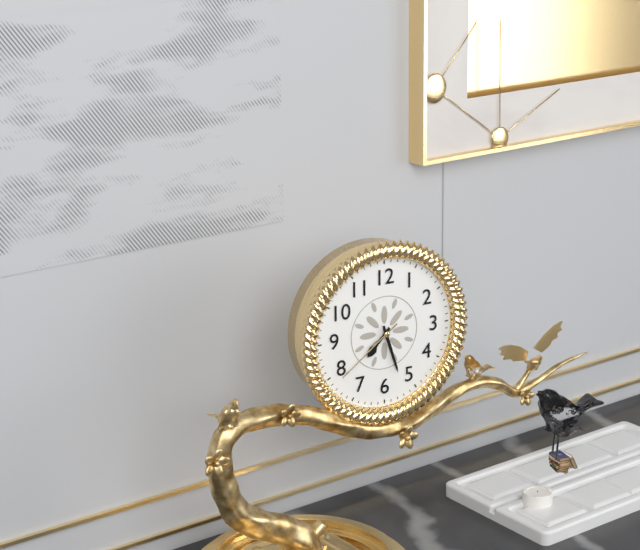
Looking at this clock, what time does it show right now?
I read 7:27:39
